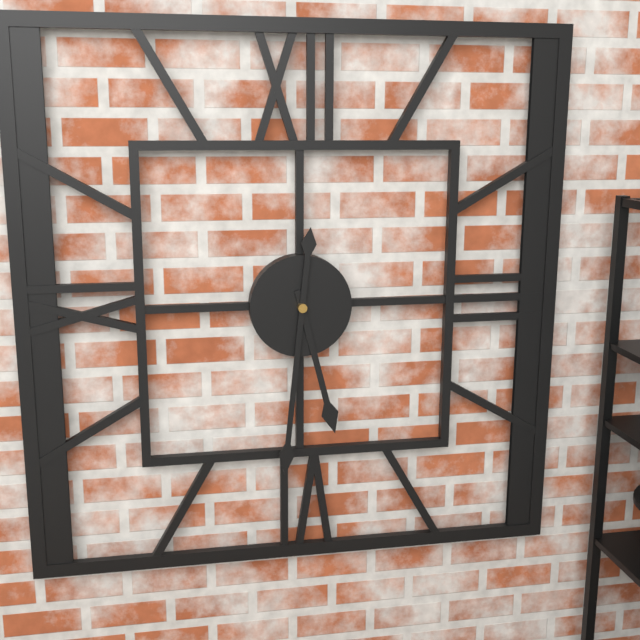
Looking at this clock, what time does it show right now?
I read 5:31
